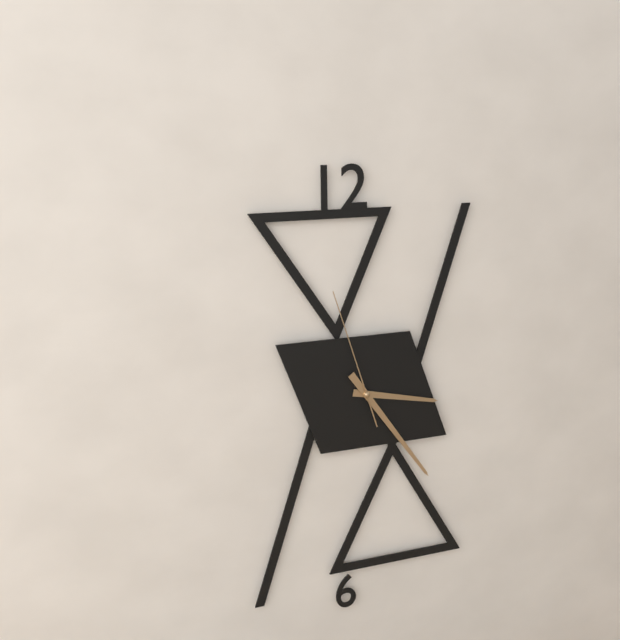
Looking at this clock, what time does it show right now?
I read 3:24:57
